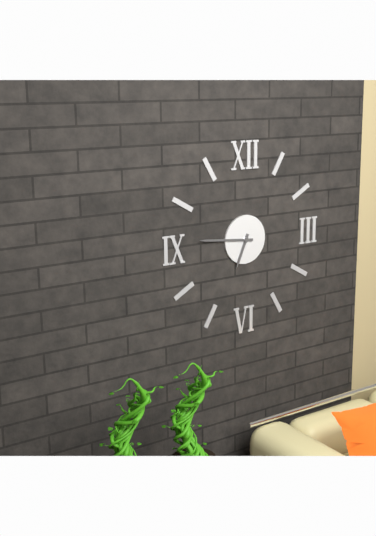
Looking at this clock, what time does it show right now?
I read 6:46
